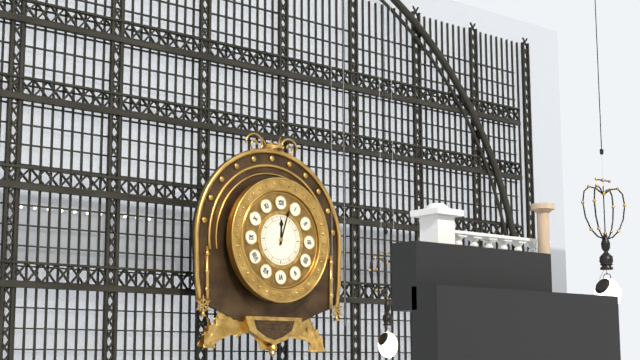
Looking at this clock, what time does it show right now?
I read 12:03
